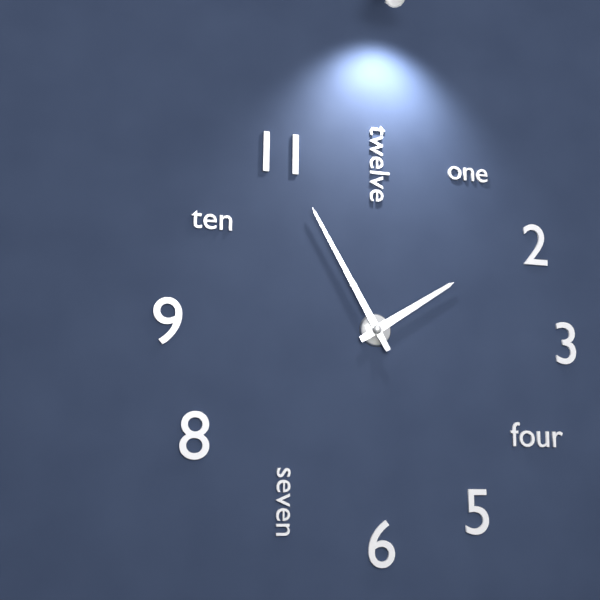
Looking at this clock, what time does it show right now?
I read 1:55
